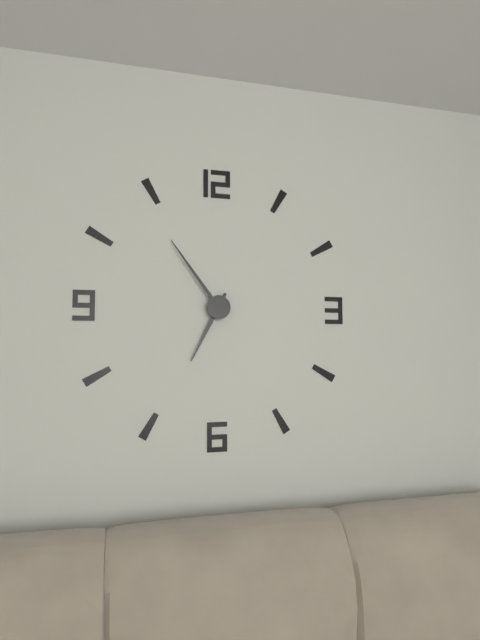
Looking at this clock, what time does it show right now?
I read 6:54
